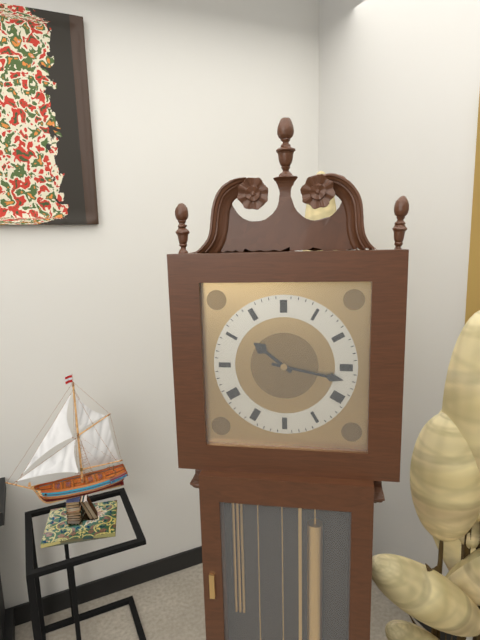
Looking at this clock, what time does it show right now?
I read 10:17
